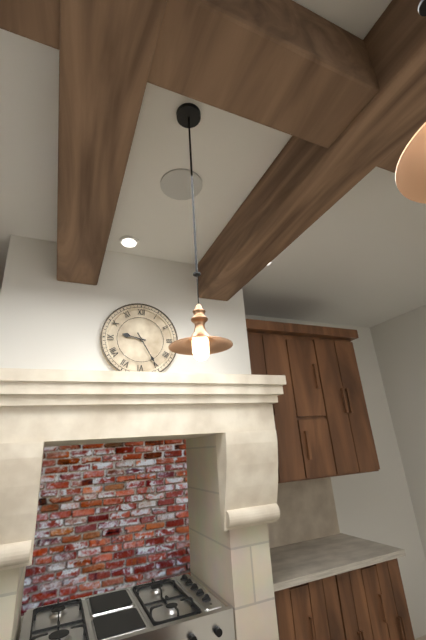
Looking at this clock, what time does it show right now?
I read 9:25
